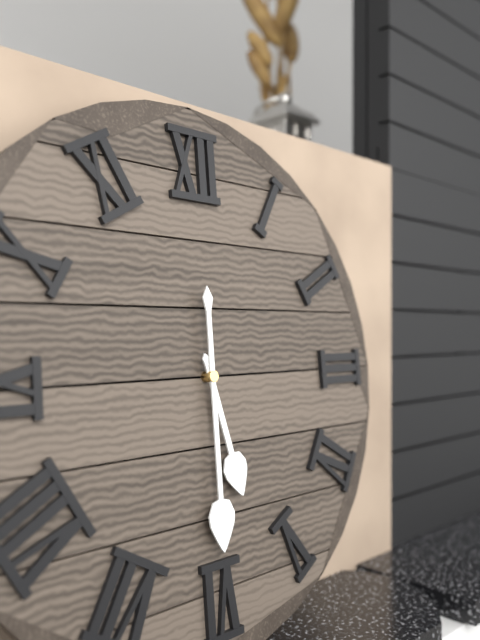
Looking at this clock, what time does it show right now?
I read 5:30
